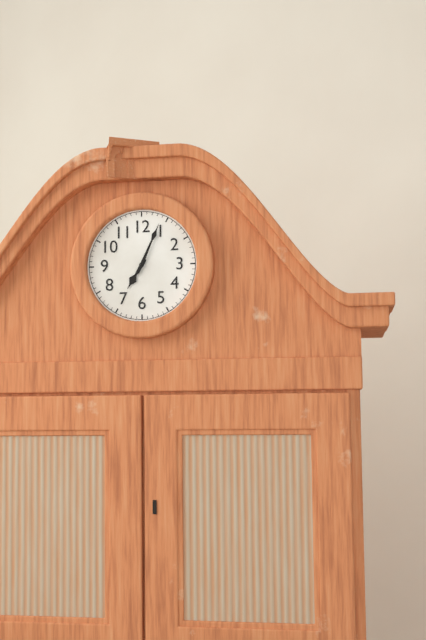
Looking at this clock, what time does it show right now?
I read 7:04
